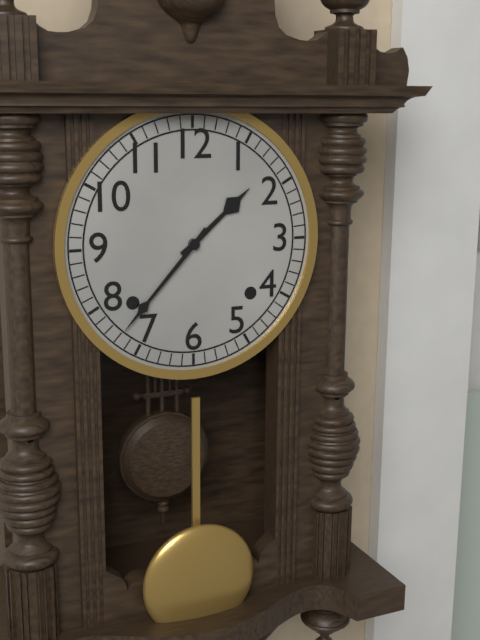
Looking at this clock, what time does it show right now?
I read 1:37
